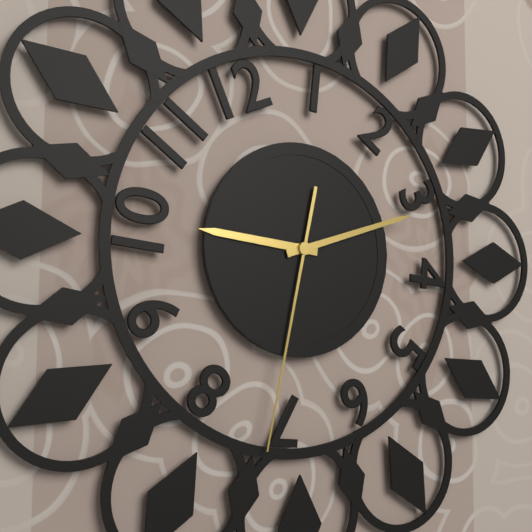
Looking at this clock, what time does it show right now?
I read 9:12:32
